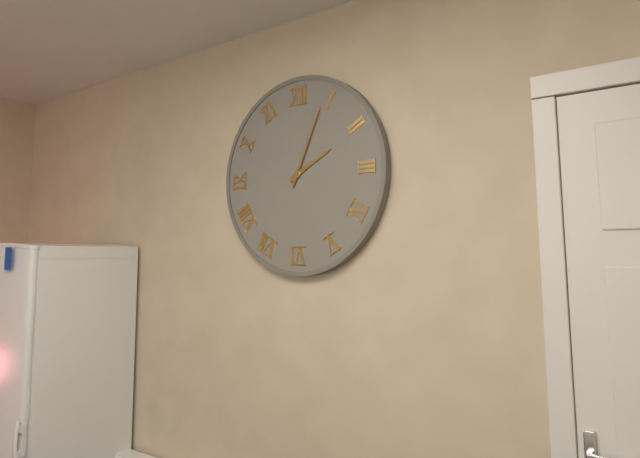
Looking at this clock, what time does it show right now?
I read 2:04
